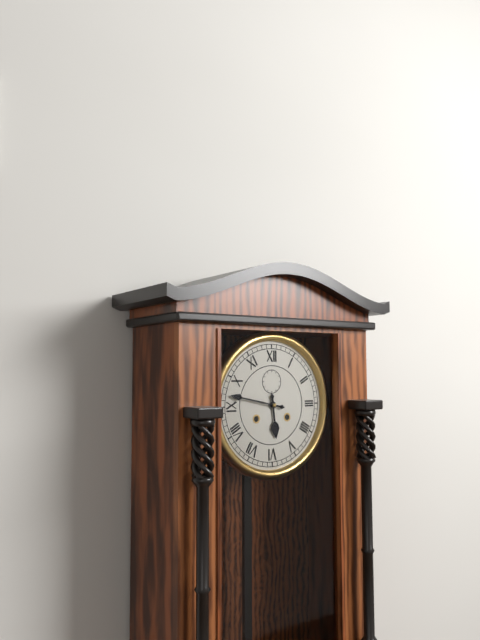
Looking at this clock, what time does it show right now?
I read 5:47
